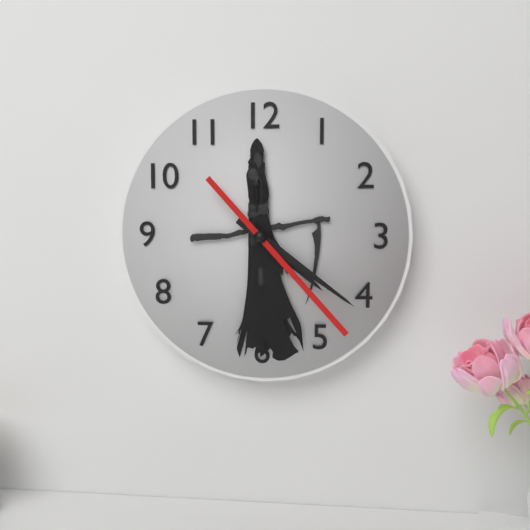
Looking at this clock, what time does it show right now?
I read 4:21:23
